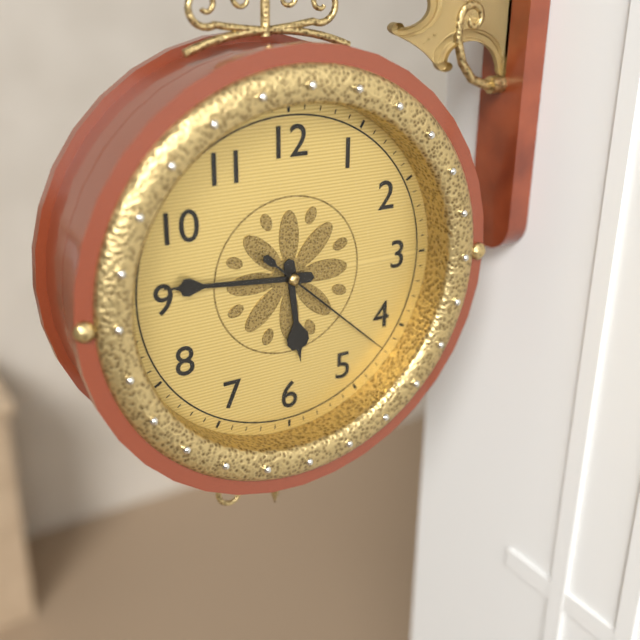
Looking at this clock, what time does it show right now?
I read 5:46:22
